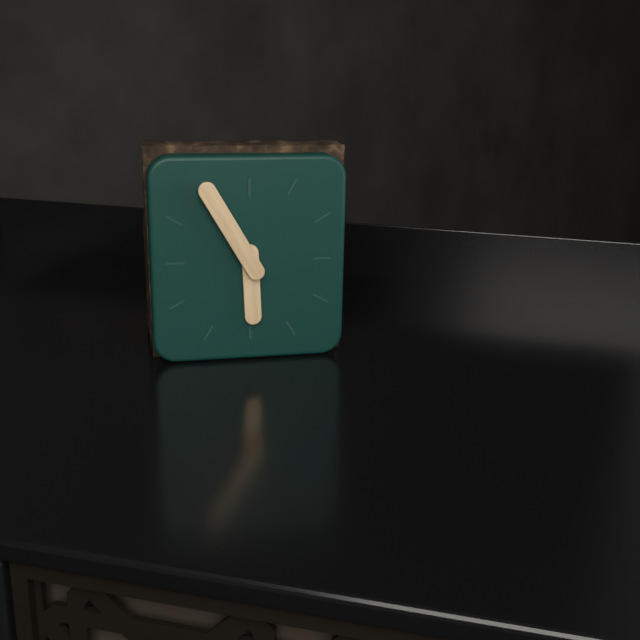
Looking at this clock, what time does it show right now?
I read 5:55
